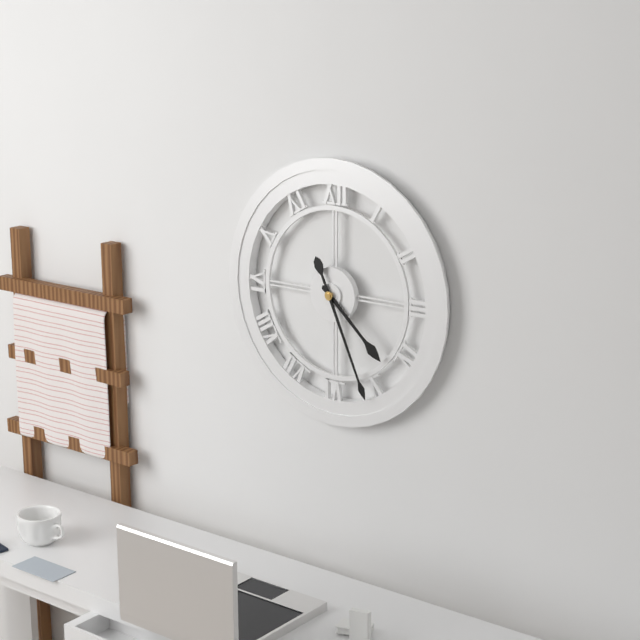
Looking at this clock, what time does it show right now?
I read 4:26
